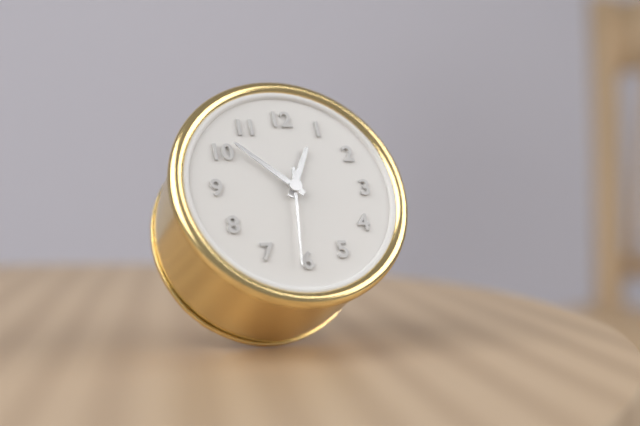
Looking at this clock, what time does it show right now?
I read 12:52:31
